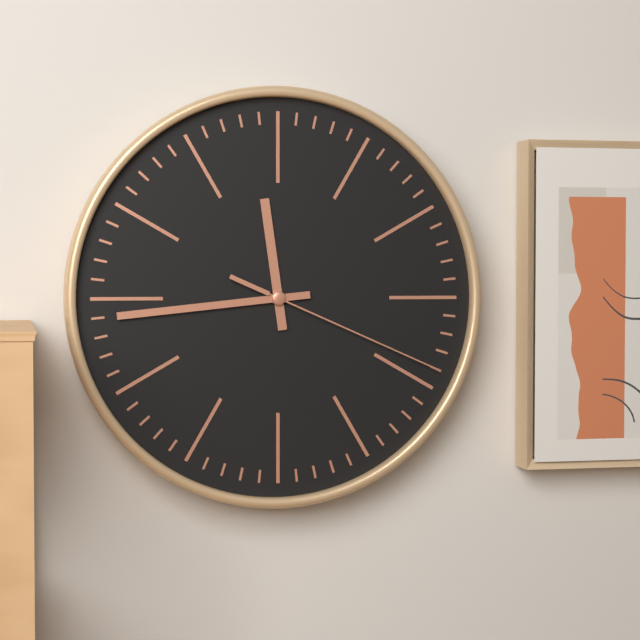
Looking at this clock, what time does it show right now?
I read 11:44:19
